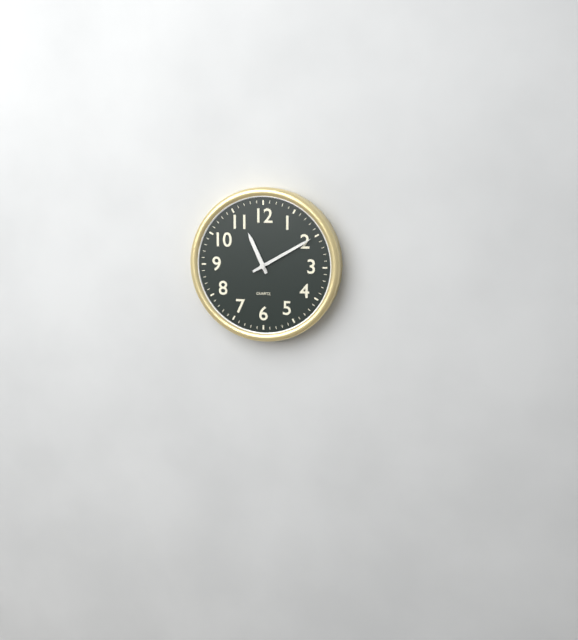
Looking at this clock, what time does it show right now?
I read 11:10
